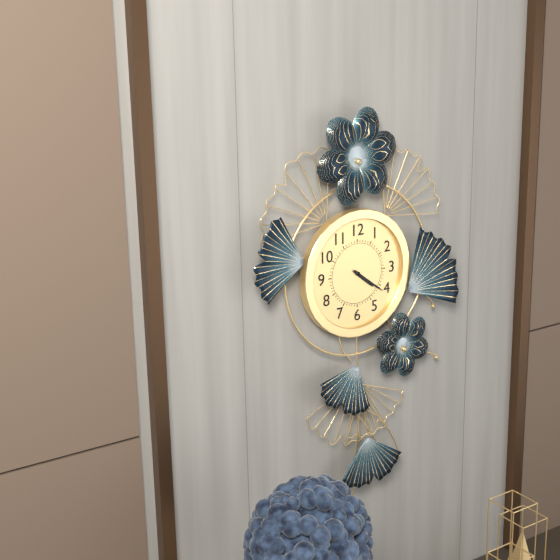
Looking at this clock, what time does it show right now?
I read 4:21
